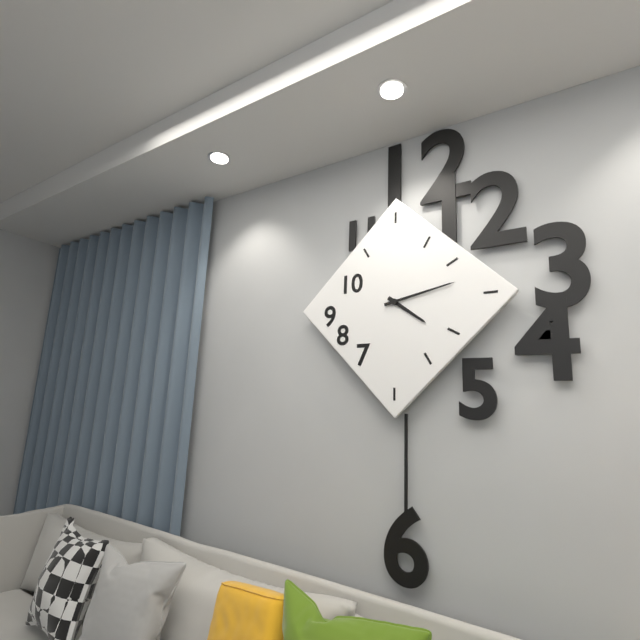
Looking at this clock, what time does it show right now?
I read 4:13
